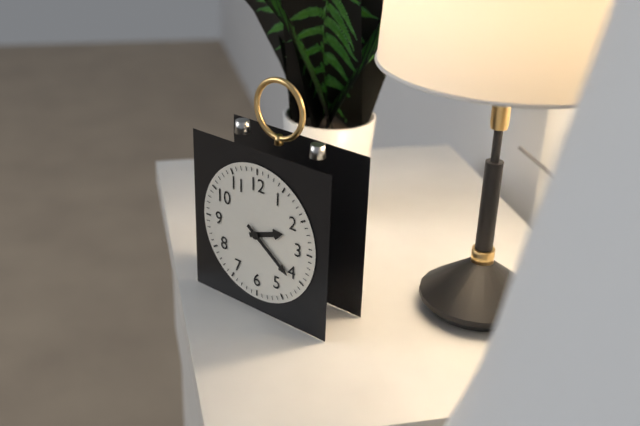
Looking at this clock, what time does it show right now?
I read 2:21
